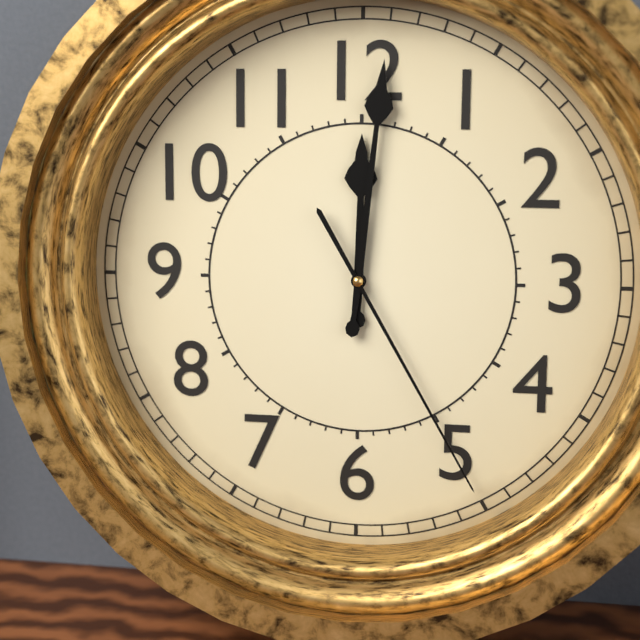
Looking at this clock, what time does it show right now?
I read 12:01:25
